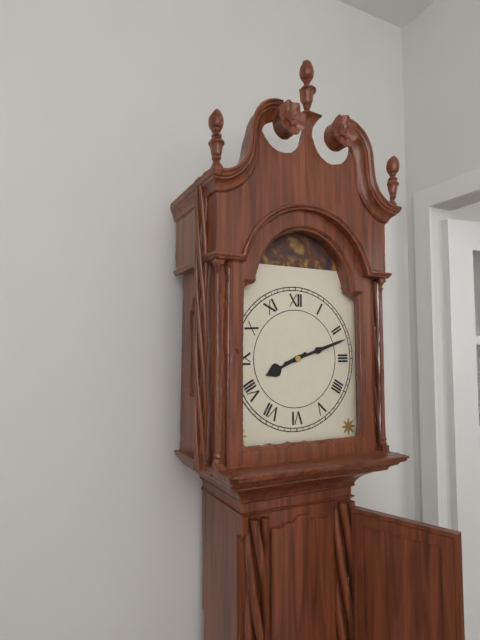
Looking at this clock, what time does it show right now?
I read 8:12
